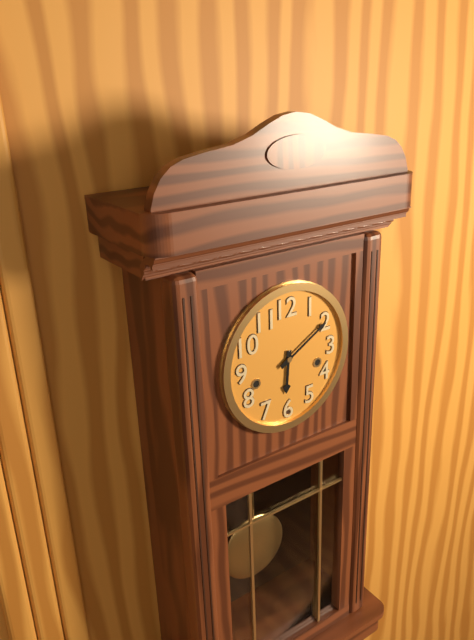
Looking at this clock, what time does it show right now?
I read 6:10
